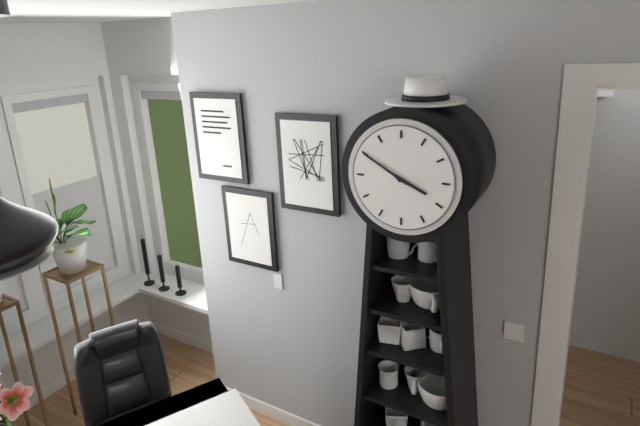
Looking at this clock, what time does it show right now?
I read 3:50
